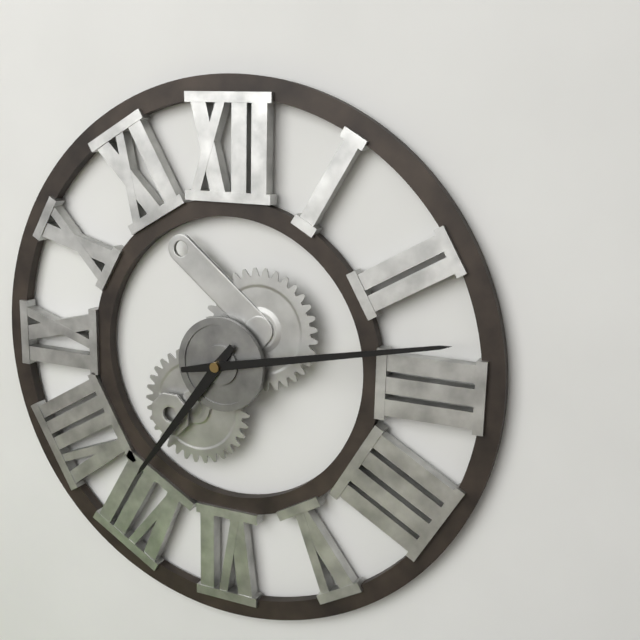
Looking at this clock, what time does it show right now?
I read 7:13
